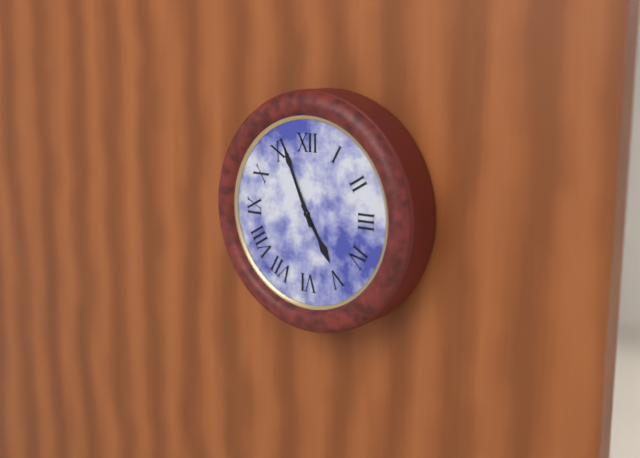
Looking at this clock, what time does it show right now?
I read 4:56
